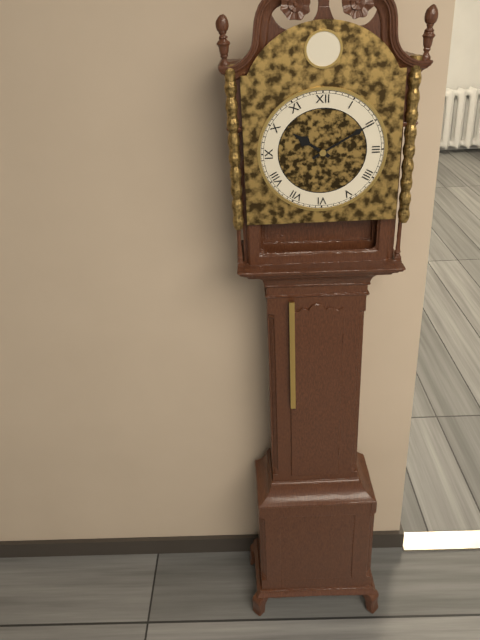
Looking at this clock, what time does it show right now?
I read 10:10
